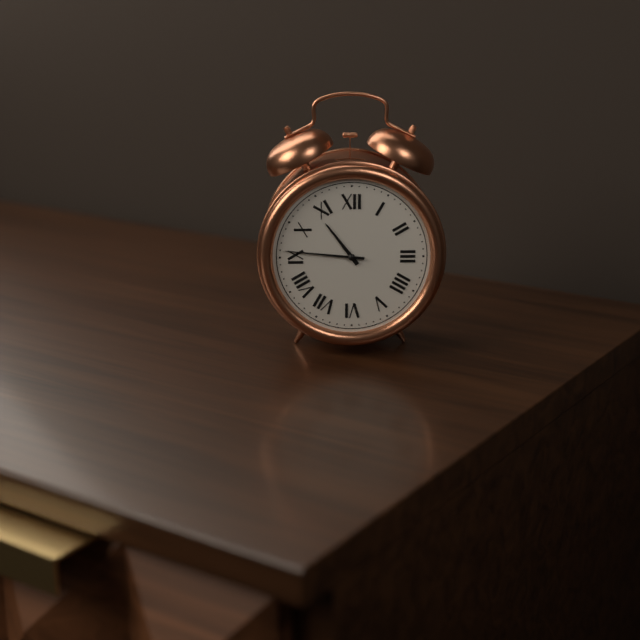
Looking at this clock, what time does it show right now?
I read 10:46
